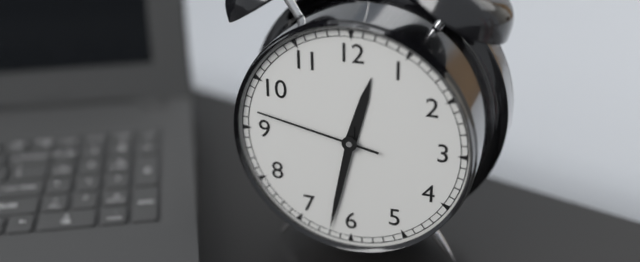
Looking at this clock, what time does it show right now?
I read 12:32:47
